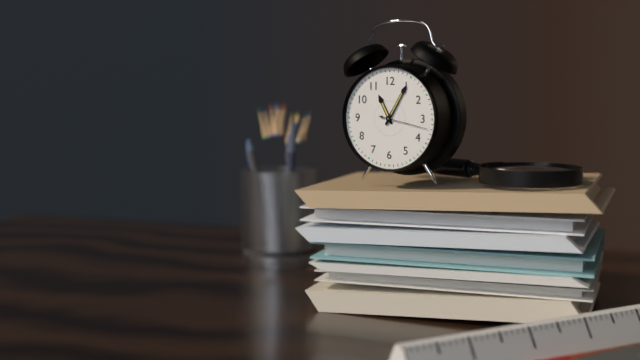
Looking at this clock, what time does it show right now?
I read 11:05
